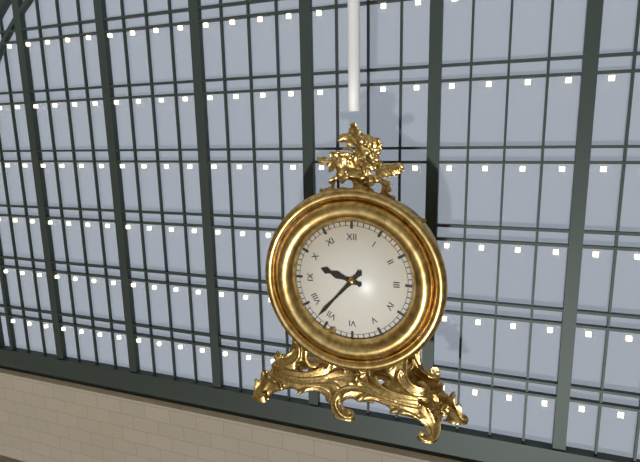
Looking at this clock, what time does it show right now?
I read 9:37
